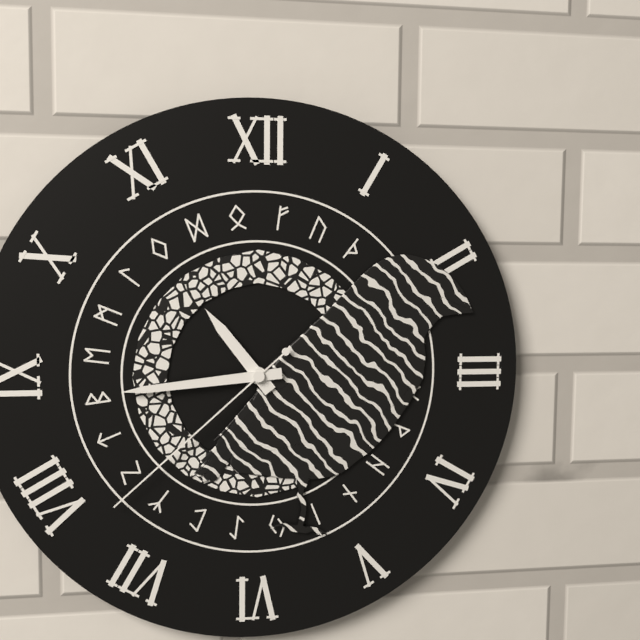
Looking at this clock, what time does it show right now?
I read 10:44:38
